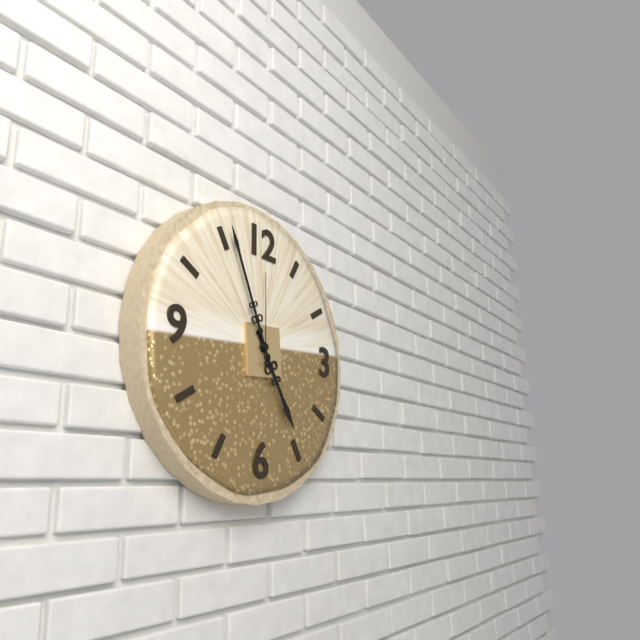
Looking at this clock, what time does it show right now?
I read 4:56:00
